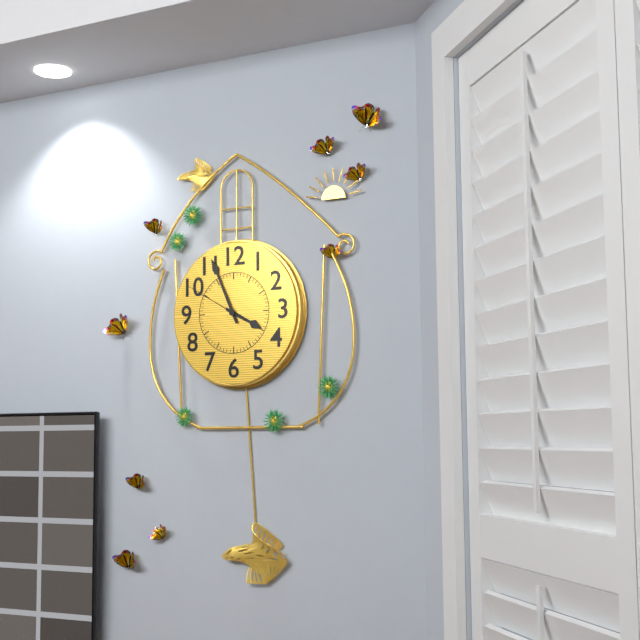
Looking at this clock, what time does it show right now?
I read 3:56:50
